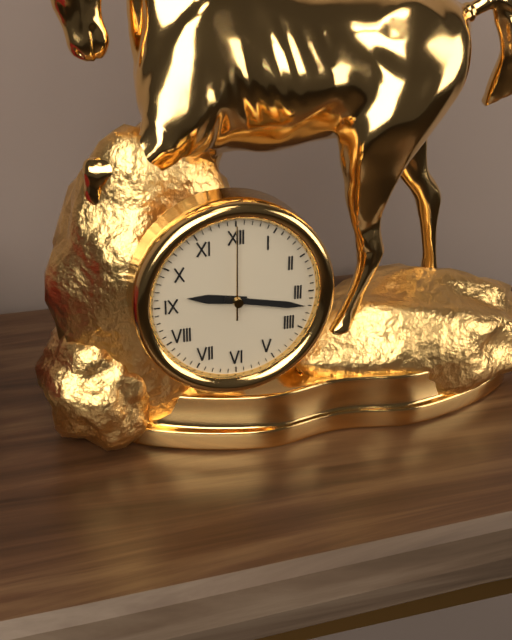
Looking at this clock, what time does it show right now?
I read 9:17:00
